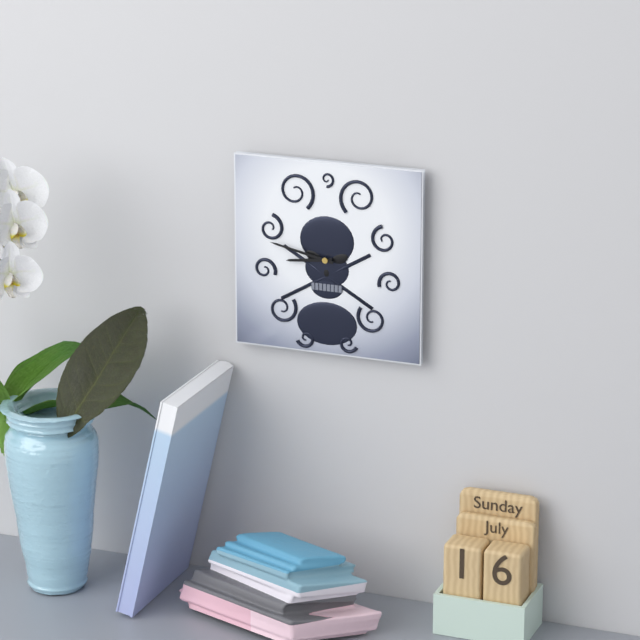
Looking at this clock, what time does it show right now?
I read 8:47
